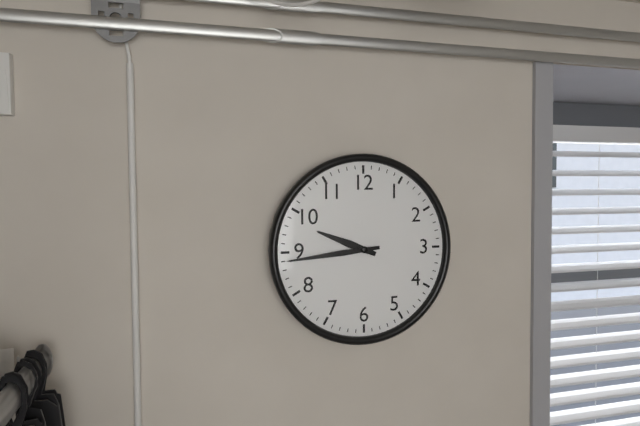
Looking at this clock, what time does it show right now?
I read 9:44
